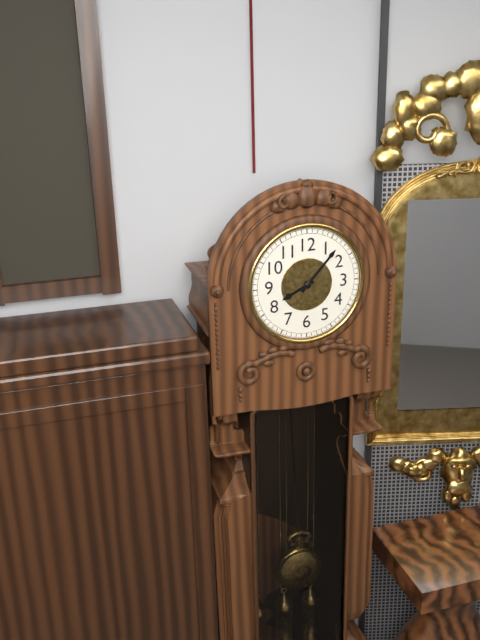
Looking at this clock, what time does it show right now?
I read 8:07
